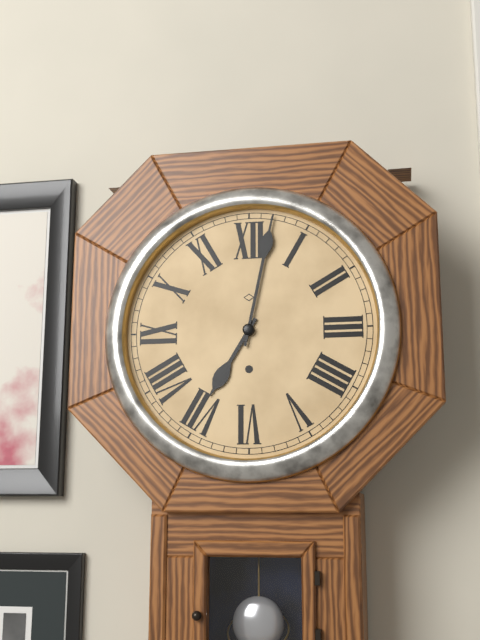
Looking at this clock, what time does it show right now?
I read 7:02
